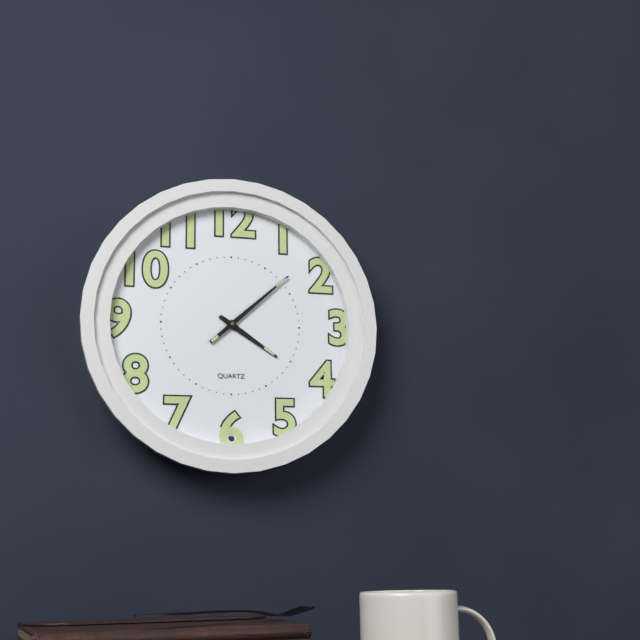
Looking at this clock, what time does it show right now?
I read 4:08
